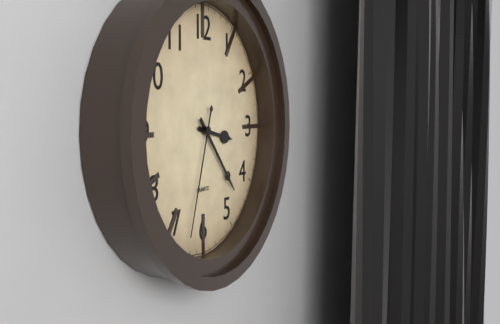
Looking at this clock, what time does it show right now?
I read 3:23:33
